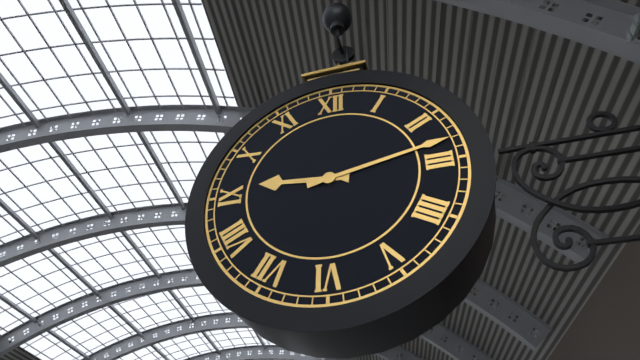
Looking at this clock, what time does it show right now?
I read 9:13
